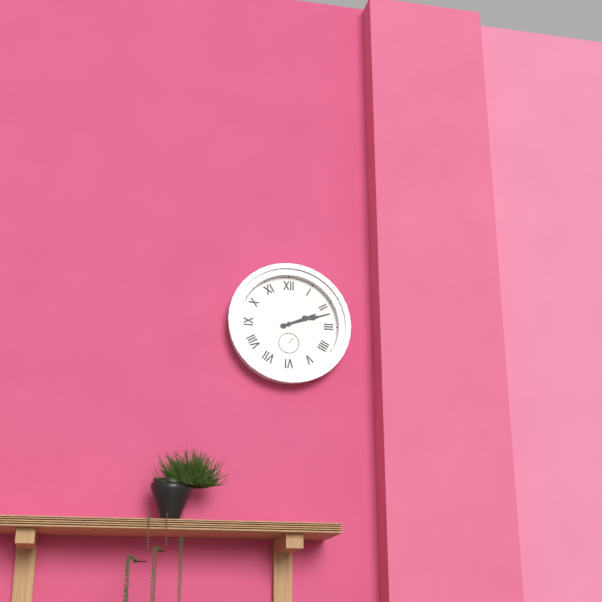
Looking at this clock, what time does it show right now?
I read 2:12
